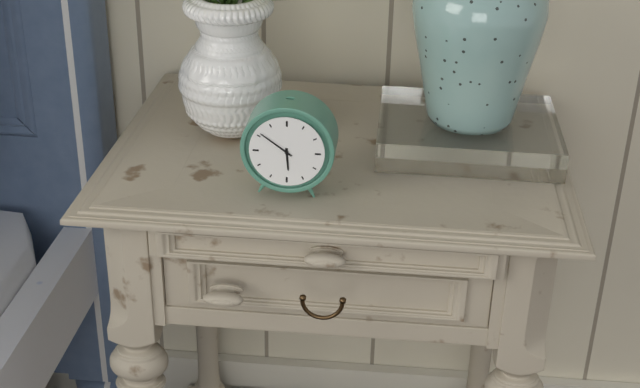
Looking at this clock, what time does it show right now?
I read 5:51
